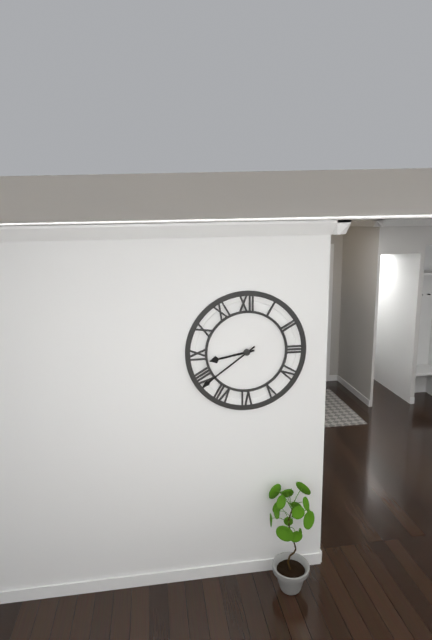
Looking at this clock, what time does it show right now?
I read 8:39
